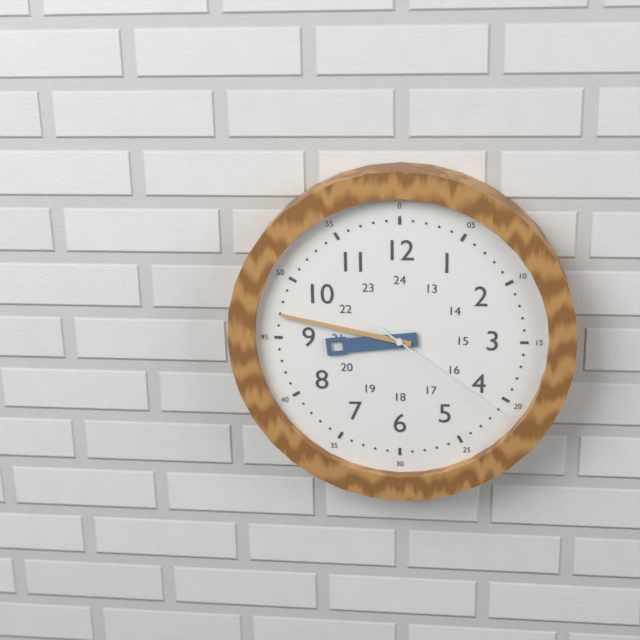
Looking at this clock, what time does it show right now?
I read 8:47:21
